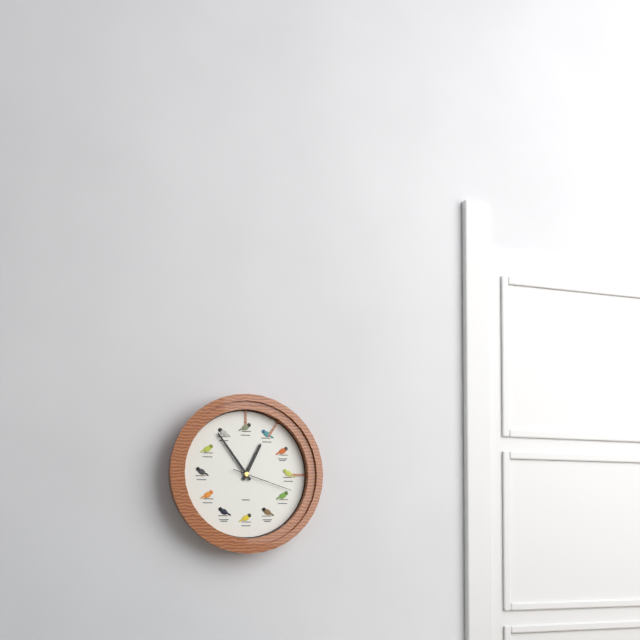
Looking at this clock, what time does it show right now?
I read 12:54:18
